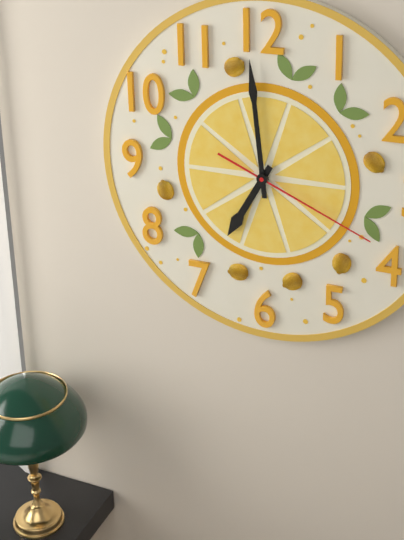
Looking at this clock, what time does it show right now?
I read 6:59:19
